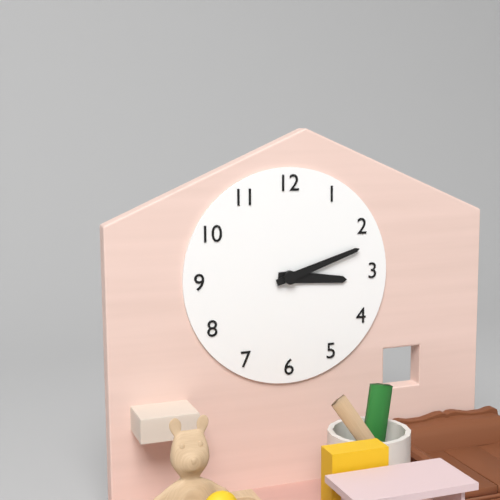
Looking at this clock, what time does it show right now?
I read 3:12
